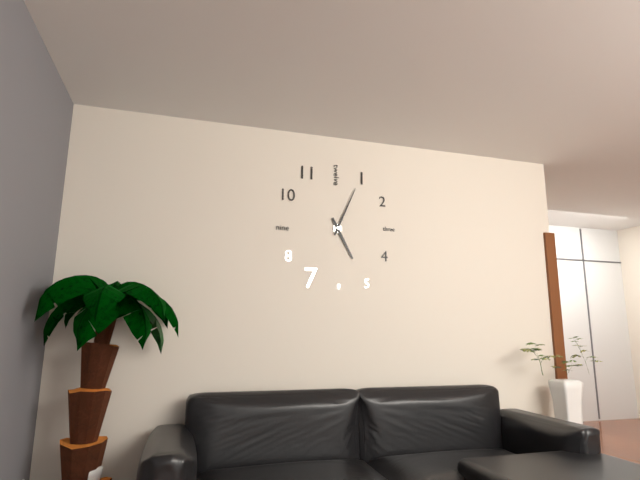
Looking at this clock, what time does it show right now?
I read 5:04
